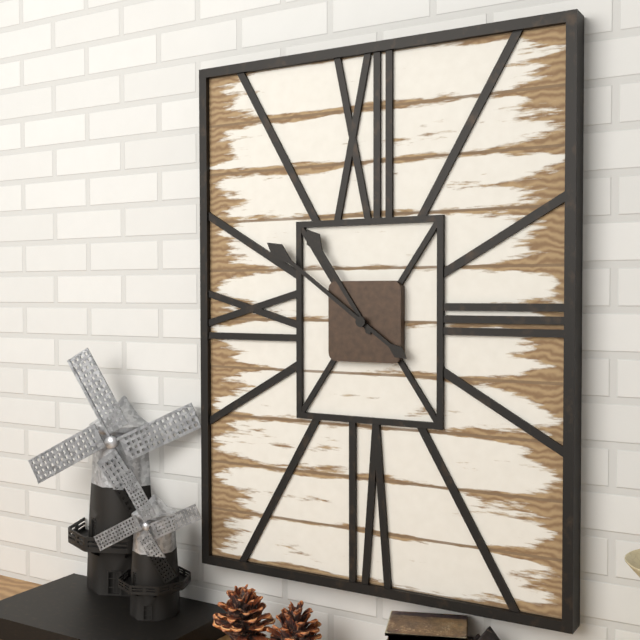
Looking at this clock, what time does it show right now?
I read 10:51
